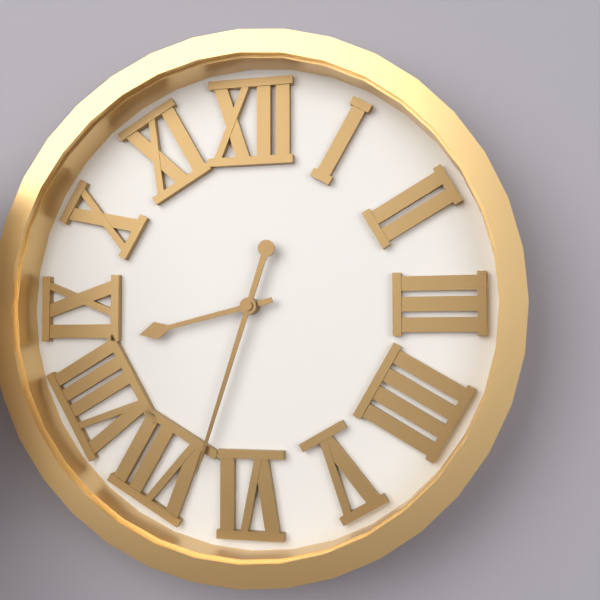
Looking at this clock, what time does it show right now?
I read 8:33
